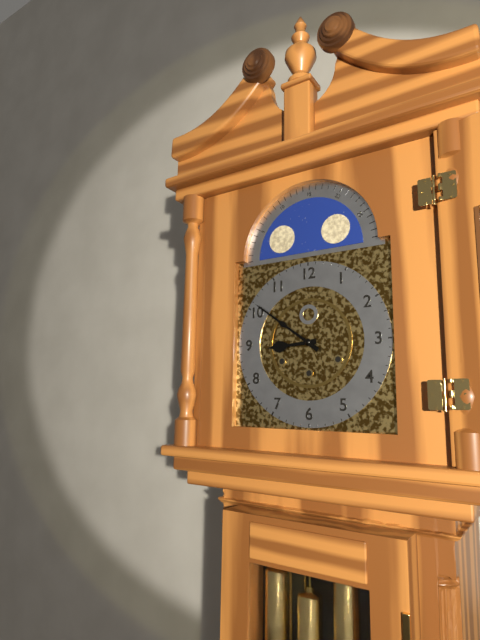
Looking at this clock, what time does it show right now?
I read 8:51
